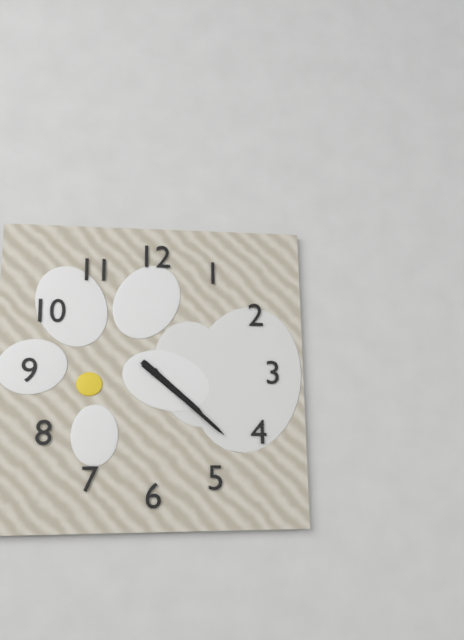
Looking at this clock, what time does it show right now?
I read 4:22
